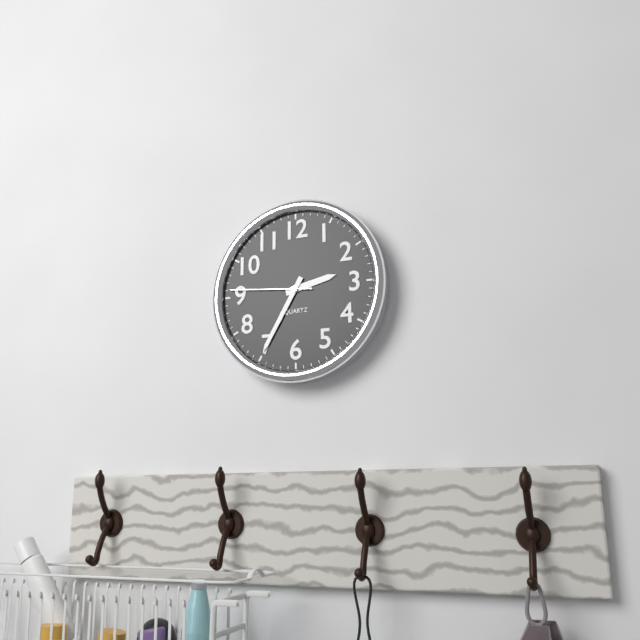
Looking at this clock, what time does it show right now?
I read 2:35:46
